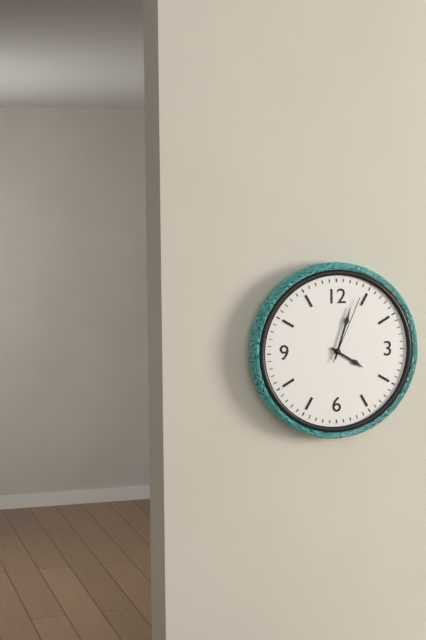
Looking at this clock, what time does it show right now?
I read 4:03:04
